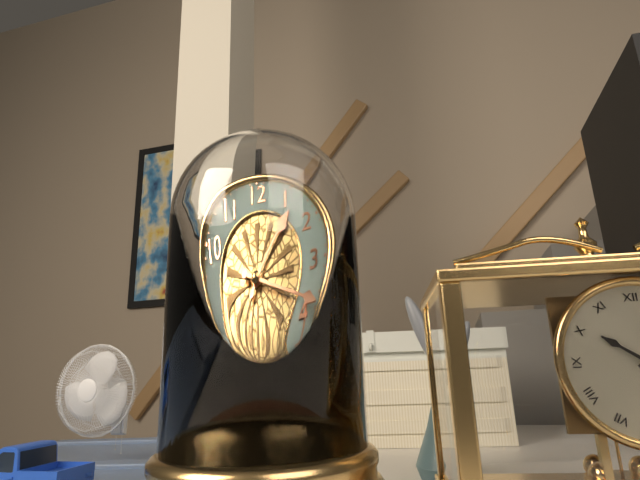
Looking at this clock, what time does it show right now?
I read 1:19
